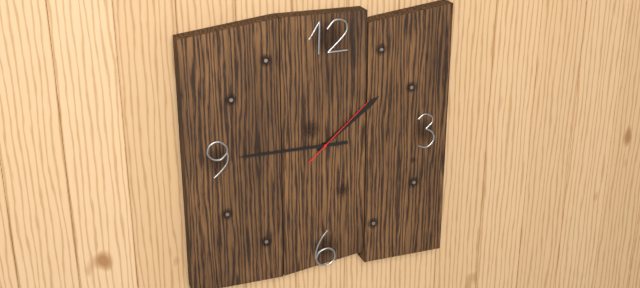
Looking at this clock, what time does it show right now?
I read 1:45:08
